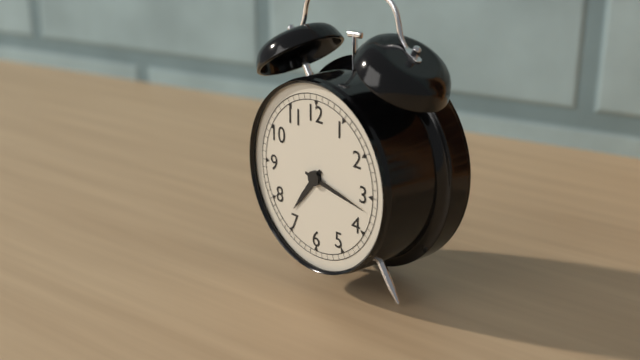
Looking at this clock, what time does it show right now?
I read 7:17
